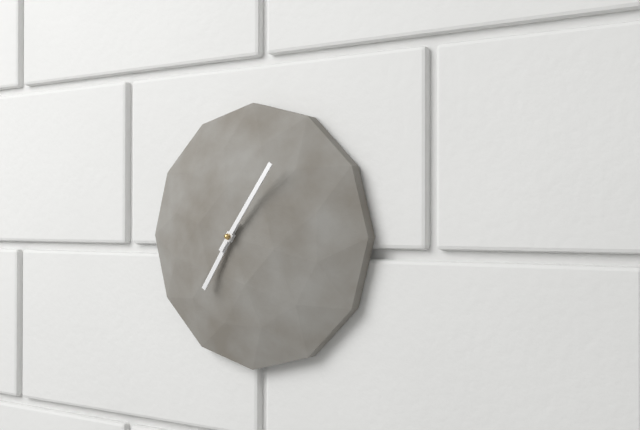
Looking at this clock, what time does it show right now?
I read 7:06
